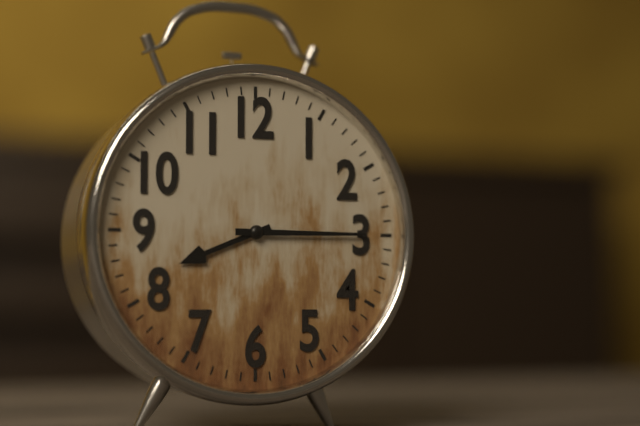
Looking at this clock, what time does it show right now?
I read 8:15
